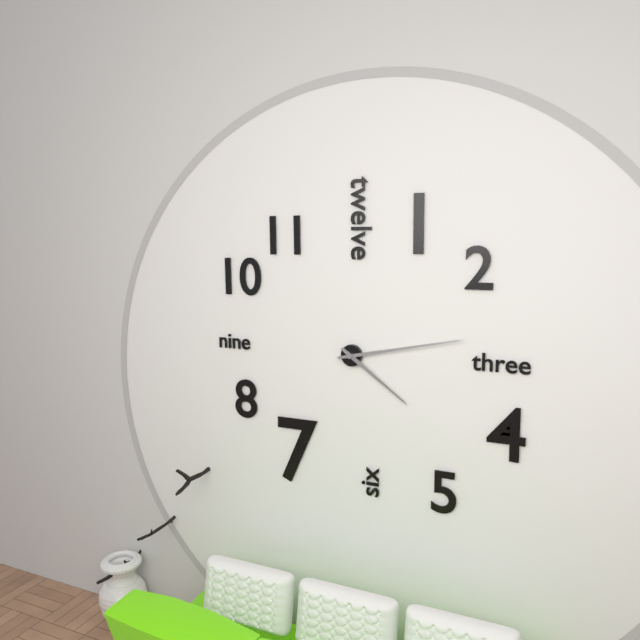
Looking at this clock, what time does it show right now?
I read 4:13
